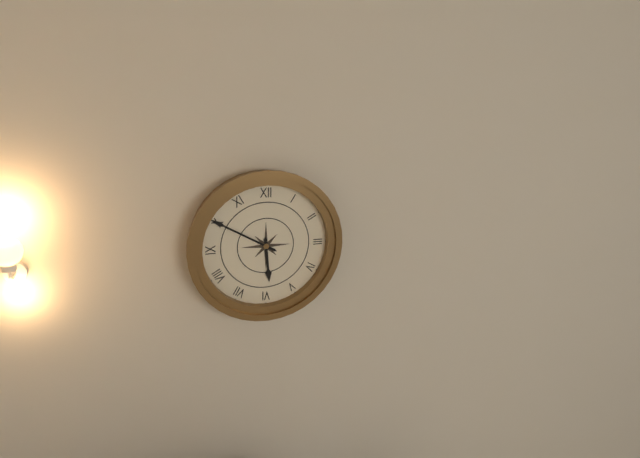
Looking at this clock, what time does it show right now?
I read 5:50
